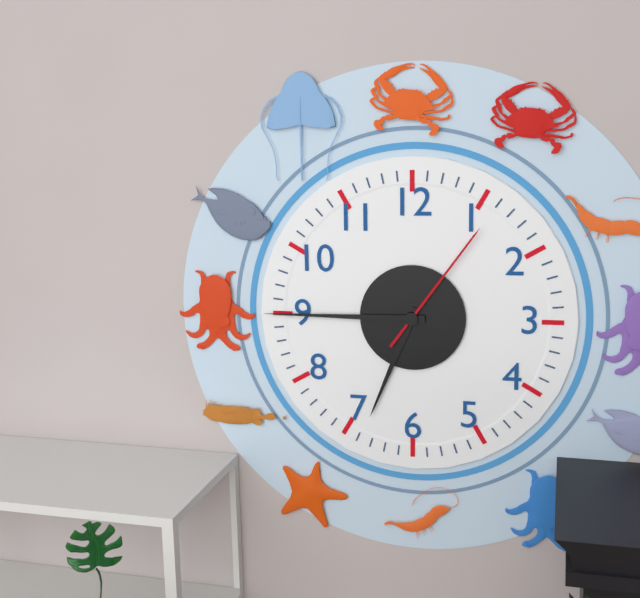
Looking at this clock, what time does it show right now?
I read 6:45:06
